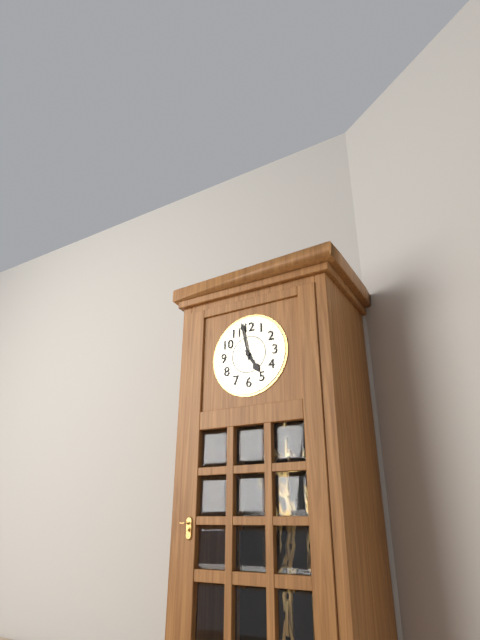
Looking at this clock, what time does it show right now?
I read 4:58
